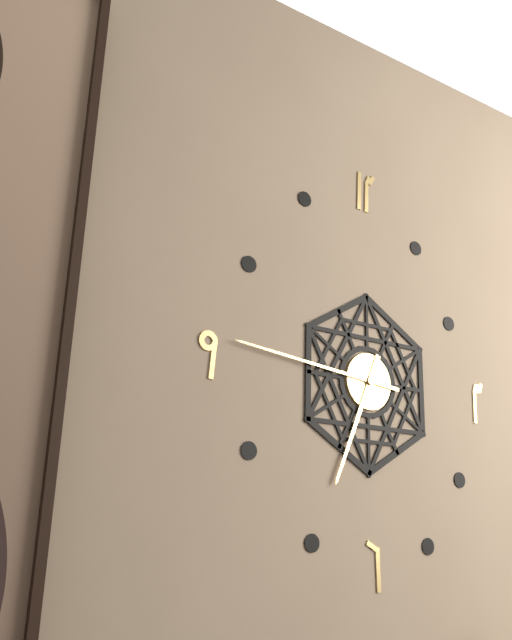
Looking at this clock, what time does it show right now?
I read 6:46
